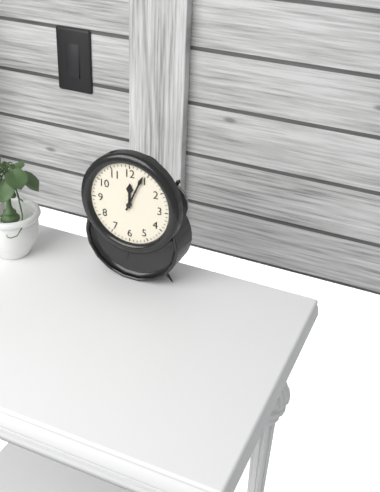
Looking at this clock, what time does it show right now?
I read 12:04
